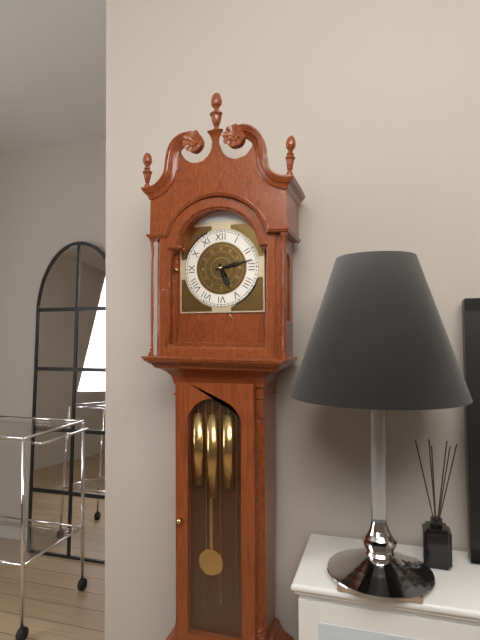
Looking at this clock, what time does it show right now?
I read 5:13
